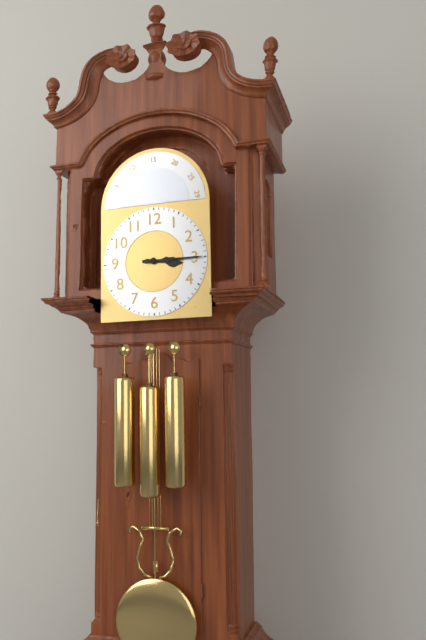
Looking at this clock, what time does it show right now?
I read 3:15
